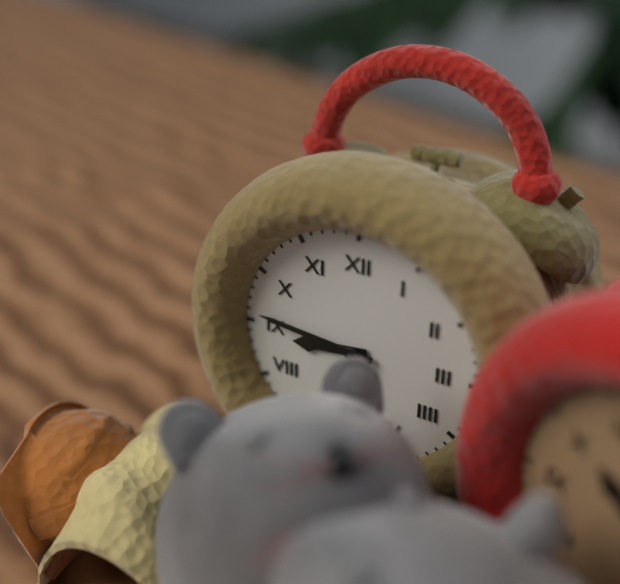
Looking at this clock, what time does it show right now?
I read 8:46
